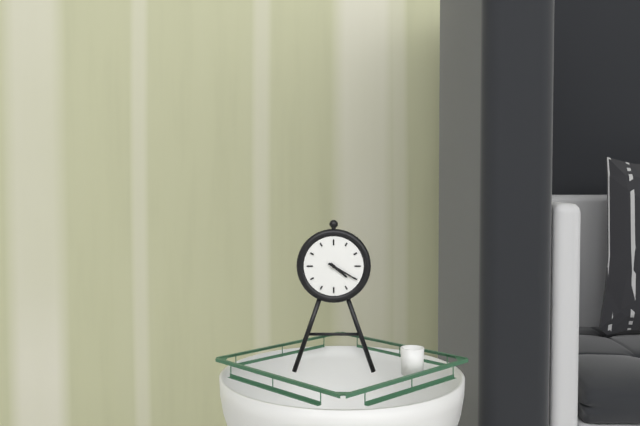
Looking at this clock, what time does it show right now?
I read 4:20
